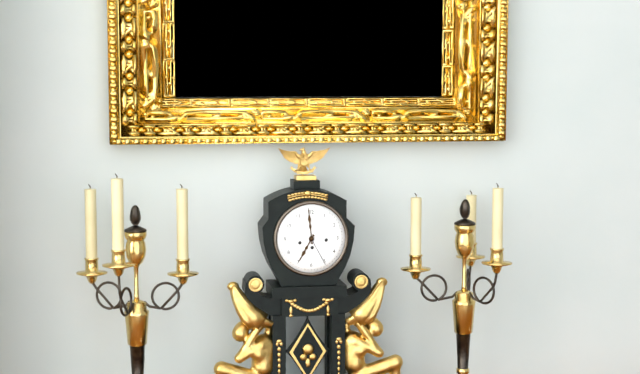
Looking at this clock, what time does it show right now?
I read 6:59
